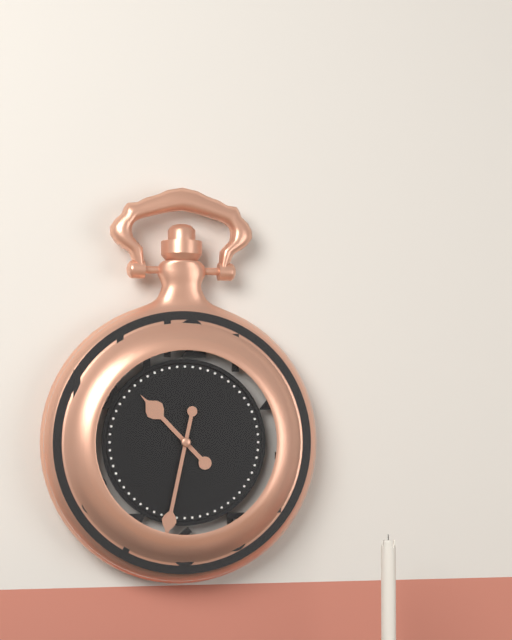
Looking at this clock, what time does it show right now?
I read 10:32
